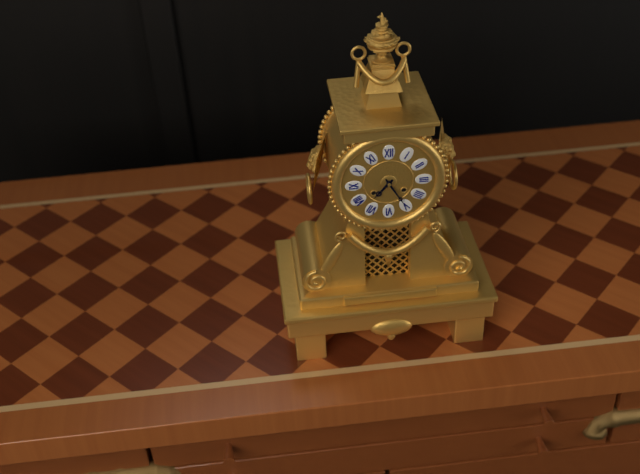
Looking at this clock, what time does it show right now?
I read 7:25
